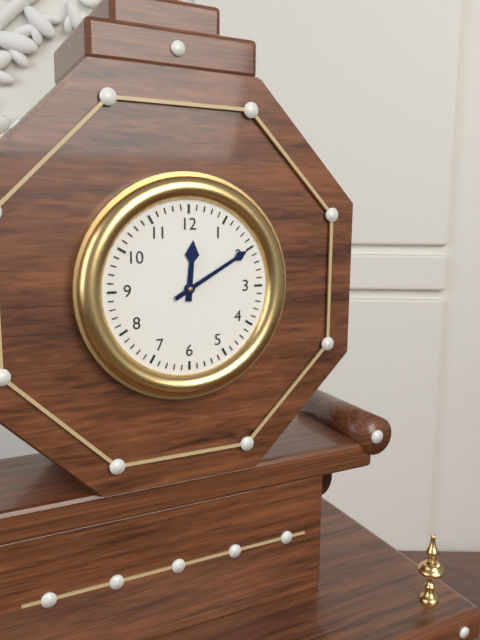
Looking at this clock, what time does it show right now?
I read 12:10
